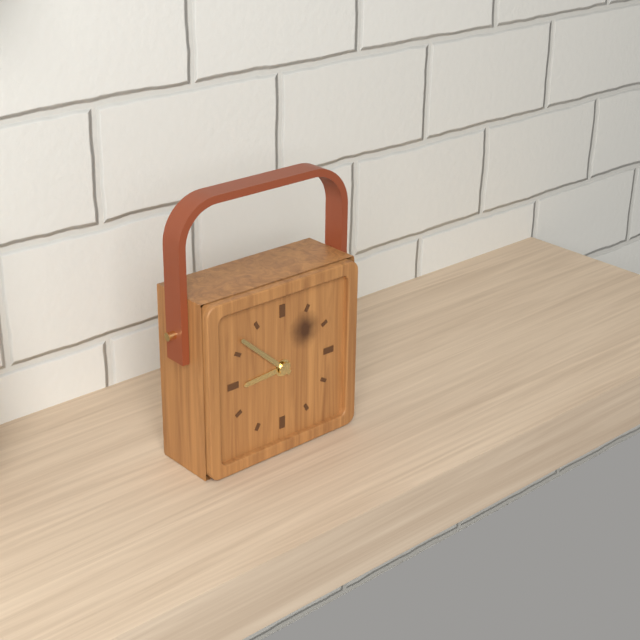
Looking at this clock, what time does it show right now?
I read 8:52
